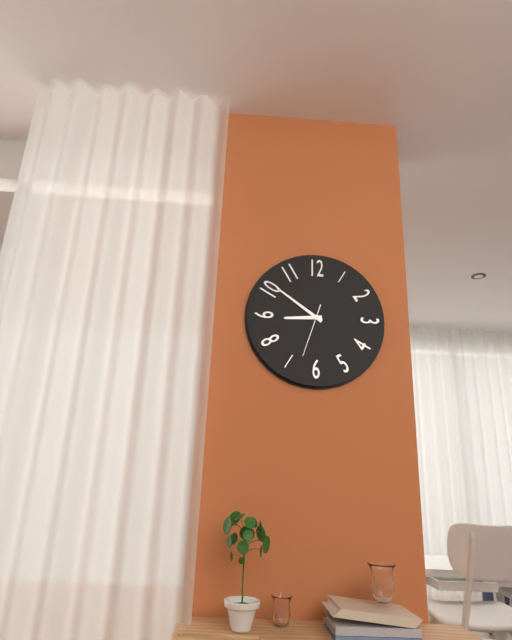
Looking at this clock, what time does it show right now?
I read 8:51:33
